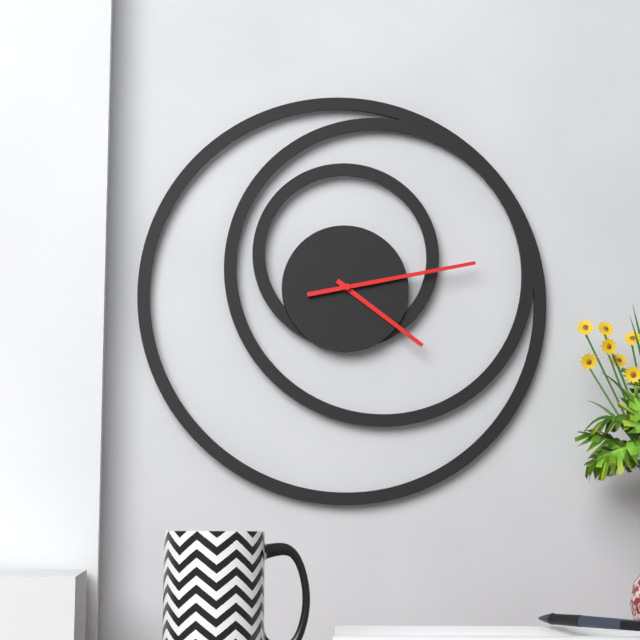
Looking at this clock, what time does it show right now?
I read 4:13
